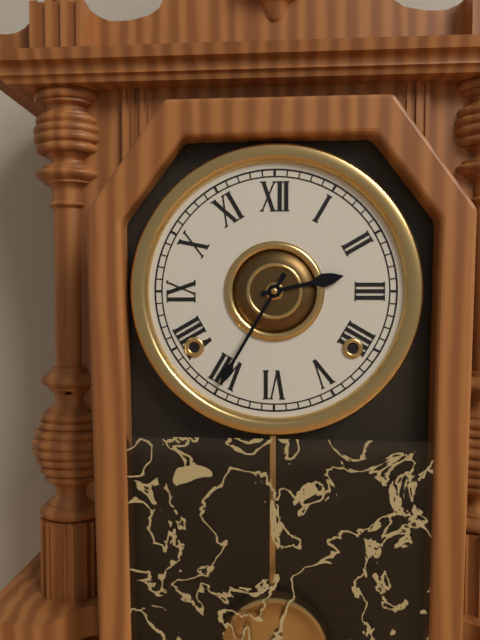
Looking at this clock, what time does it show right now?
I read 2:35
